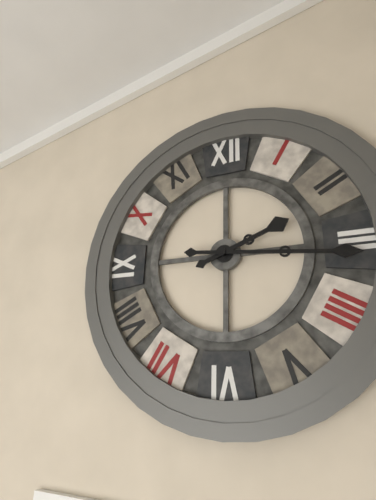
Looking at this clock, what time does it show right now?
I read 2:16
